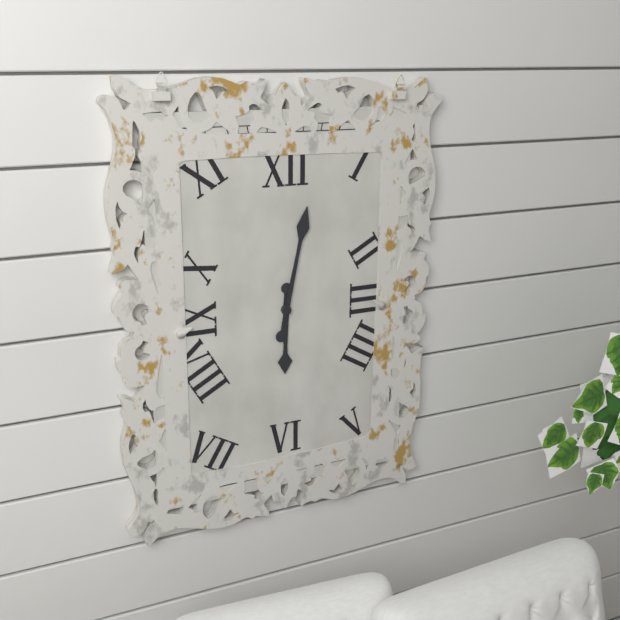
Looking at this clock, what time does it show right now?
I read 6:02
